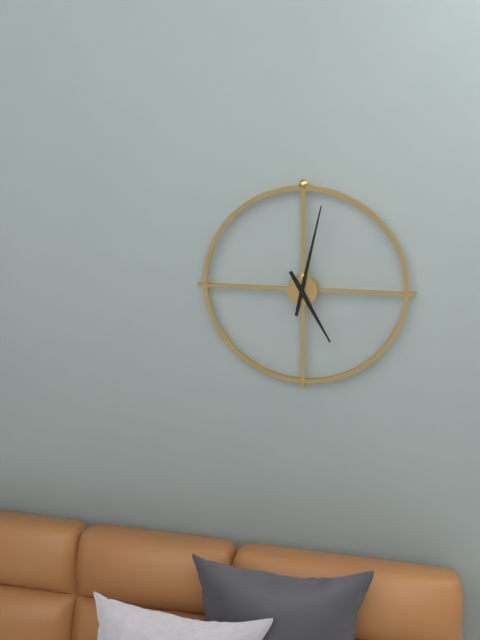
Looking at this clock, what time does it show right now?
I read 5:02
